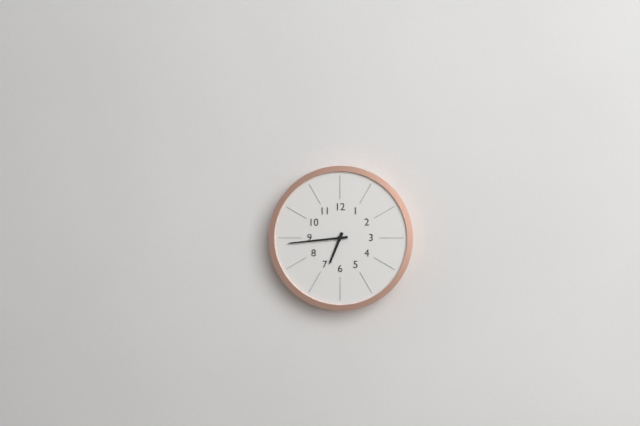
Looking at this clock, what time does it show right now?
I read 6:44
